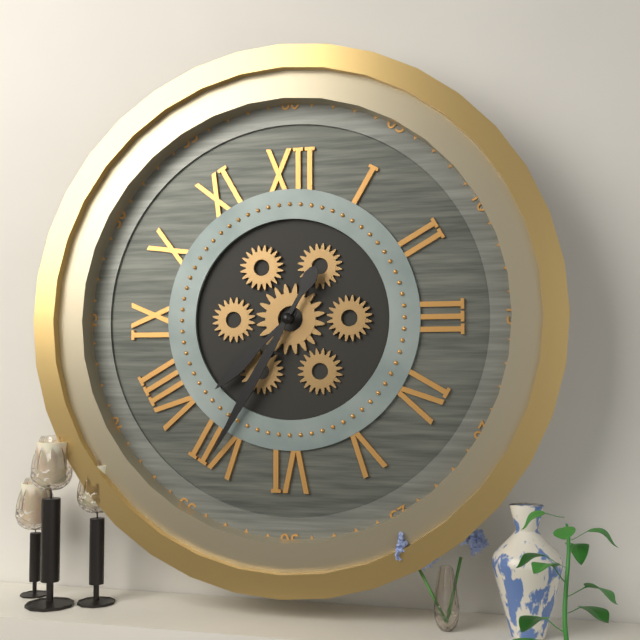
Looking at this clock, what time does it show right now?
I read 7:35
